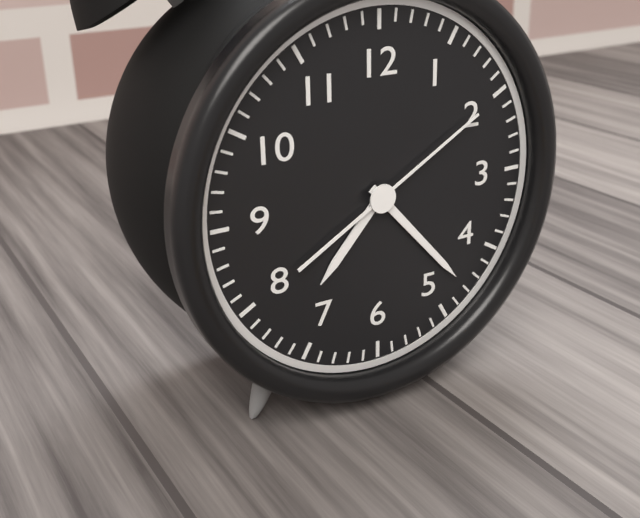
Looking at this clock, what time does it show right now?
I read 7:23:10
